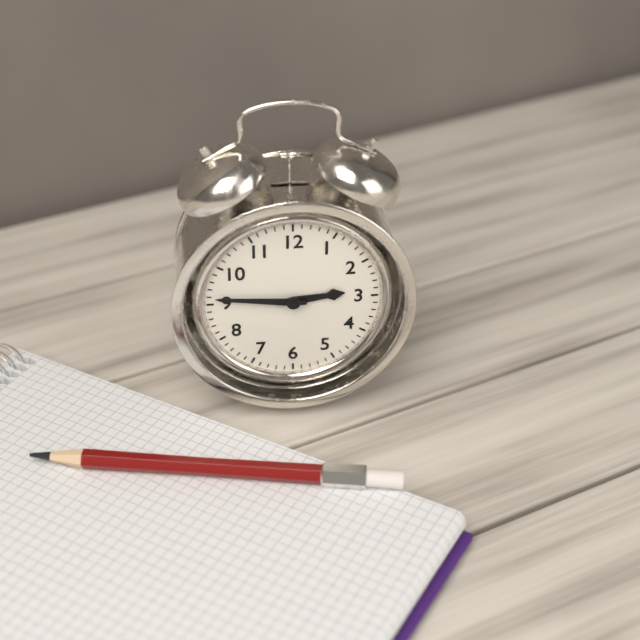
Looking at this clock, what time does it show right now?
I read 2:46
